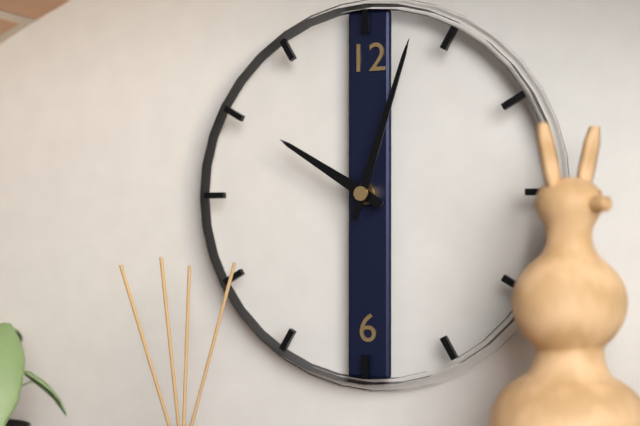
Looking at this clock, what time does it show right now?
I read 10:03
